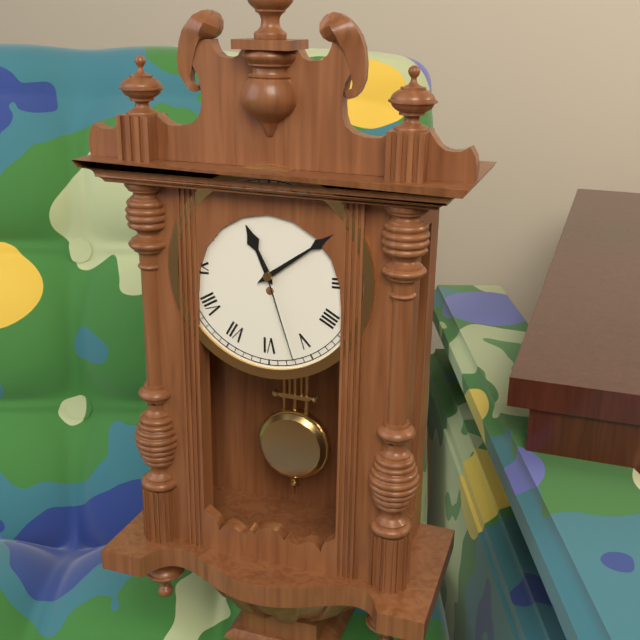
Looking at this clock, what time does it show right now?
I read 11:09:27
